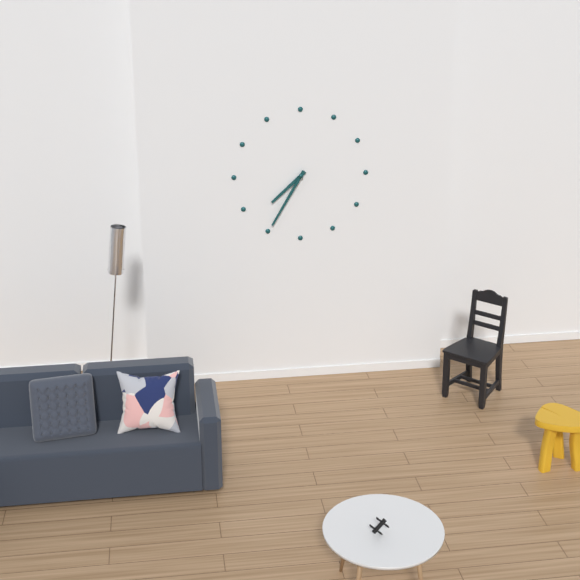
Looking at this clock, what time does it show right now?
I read 7:35
